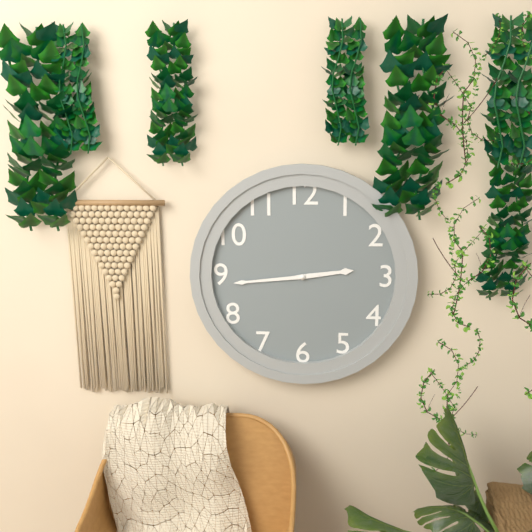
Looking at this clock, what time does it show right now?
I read 2:44
